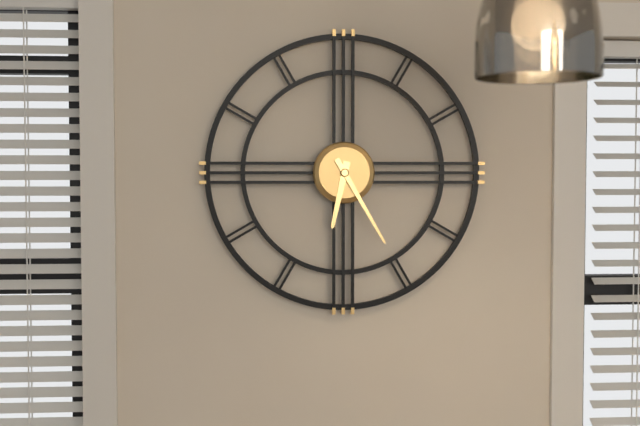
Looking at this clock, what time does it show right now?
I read 6:25
